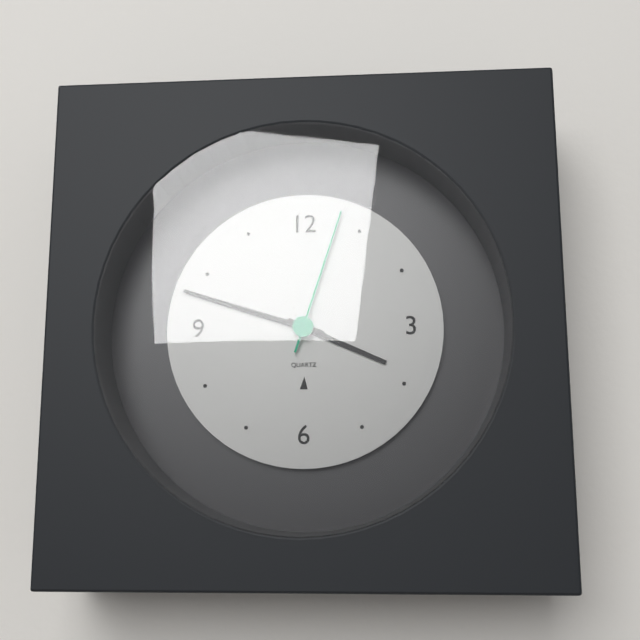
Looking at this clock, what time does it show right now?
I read 3:48:03
